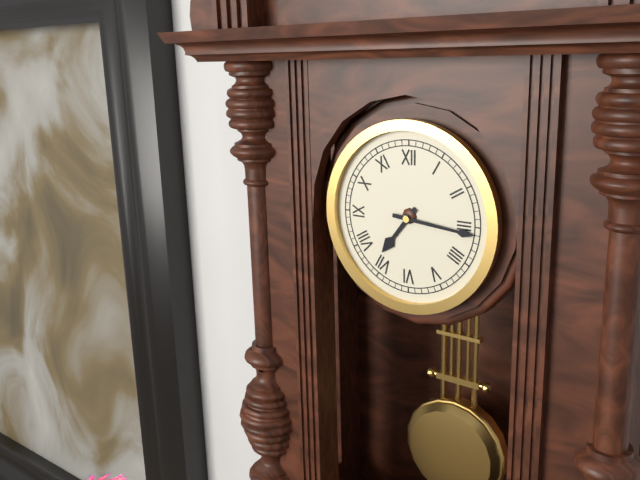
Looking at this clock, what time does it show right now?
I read 7:16
